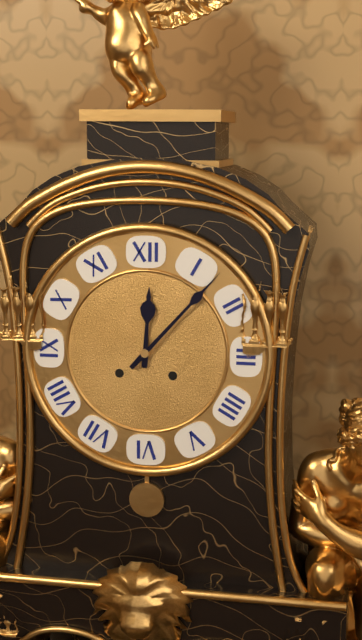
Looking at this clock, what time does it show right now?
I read 12:07
